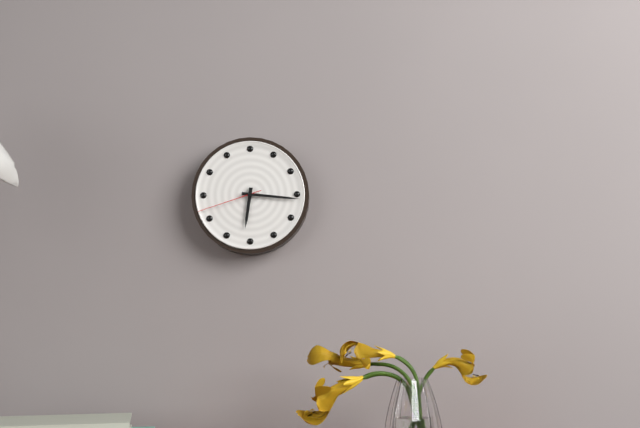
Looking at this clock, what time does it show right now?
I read 6:16:42
